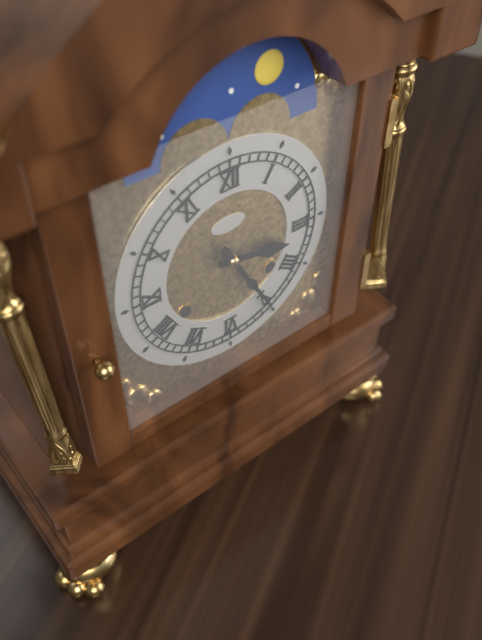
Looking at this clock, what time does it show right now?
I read 3:25
